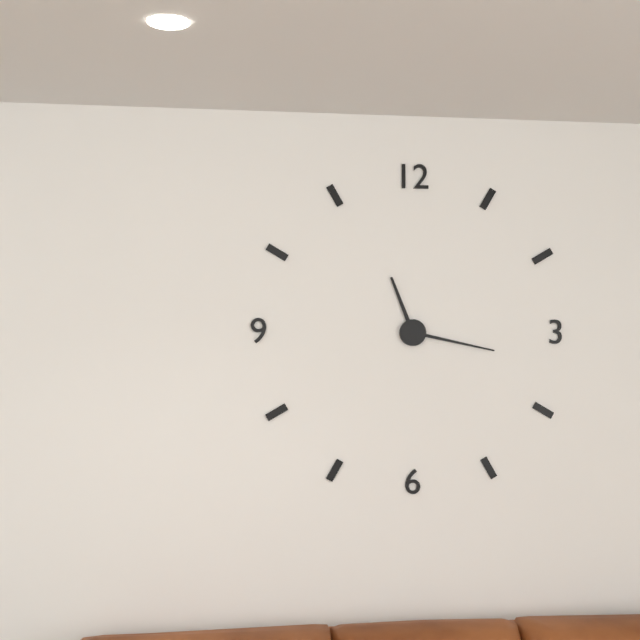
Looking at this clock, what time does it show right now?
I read 11:17
